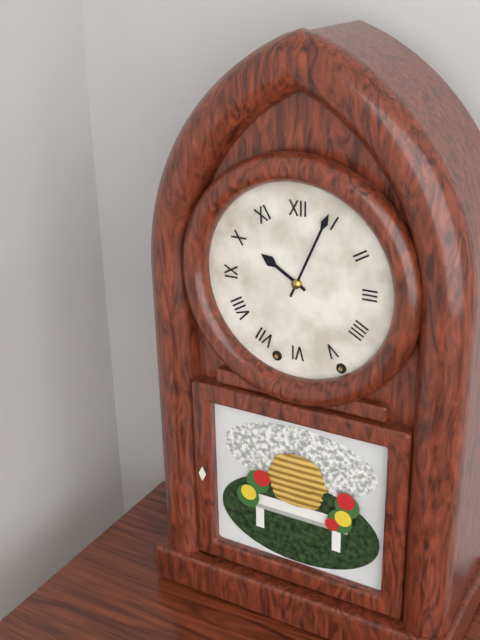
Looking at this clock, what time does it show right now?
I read 10:04
